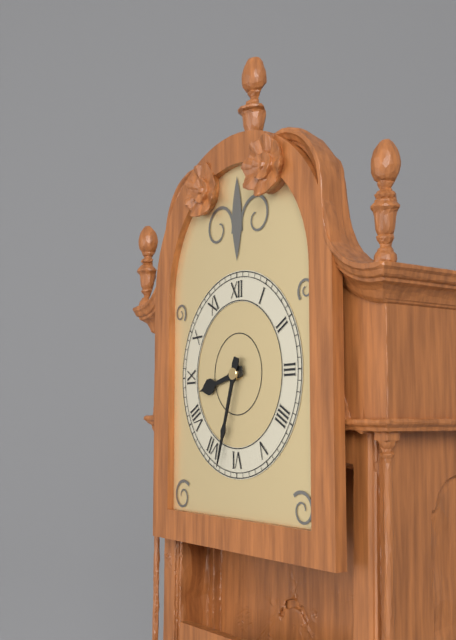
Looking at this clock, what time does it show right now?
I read 8:33
